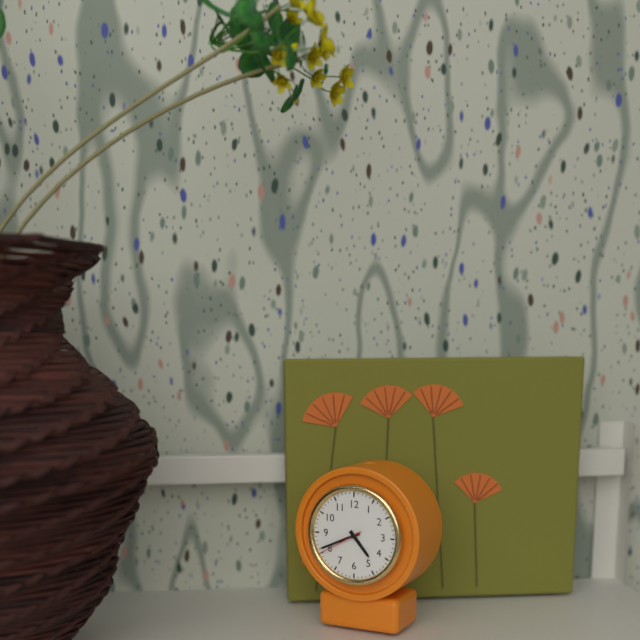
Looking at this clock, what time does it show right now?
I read 4:41
